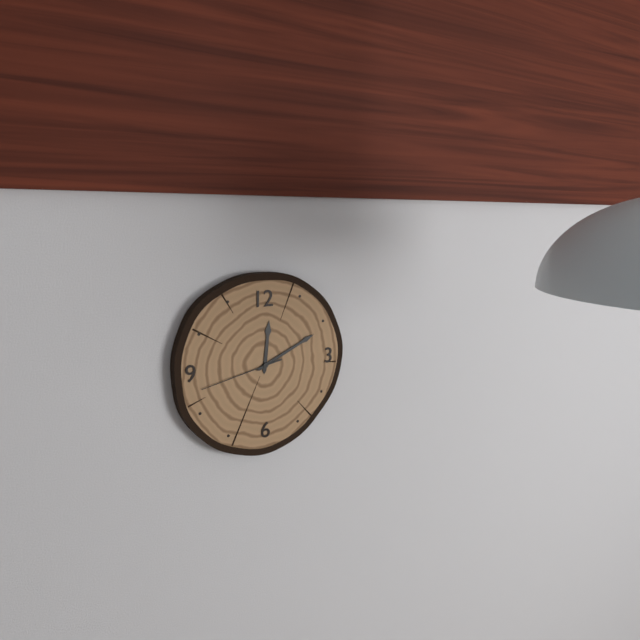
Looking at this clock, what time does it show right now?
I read 12:11:43
